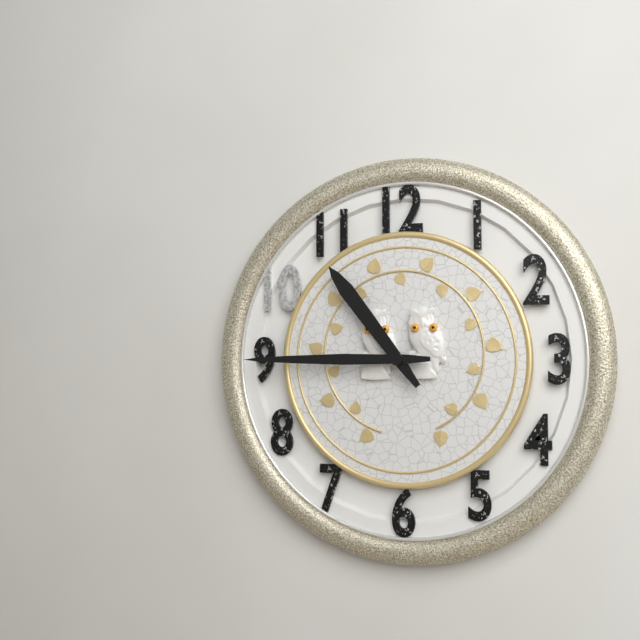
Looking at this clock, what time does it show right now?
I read 10:45
